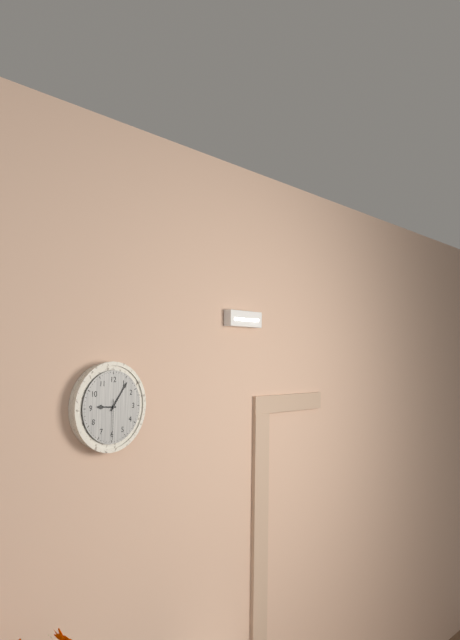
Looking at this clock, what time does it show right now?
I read 9:06
